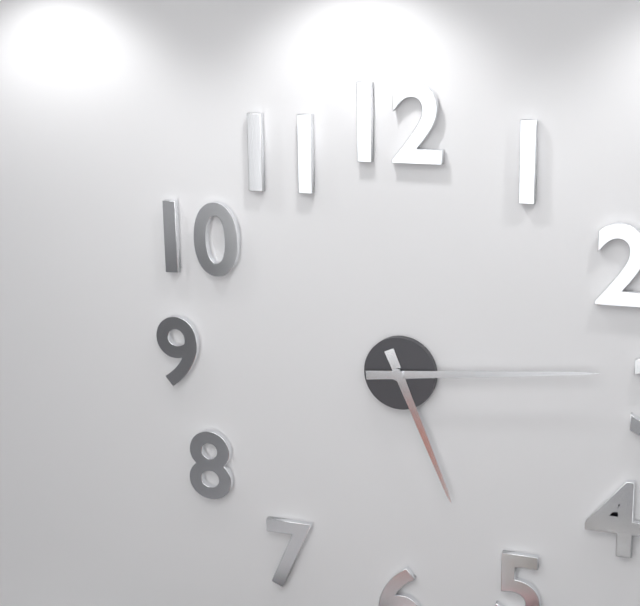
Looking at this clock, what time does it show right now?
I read 5:14
